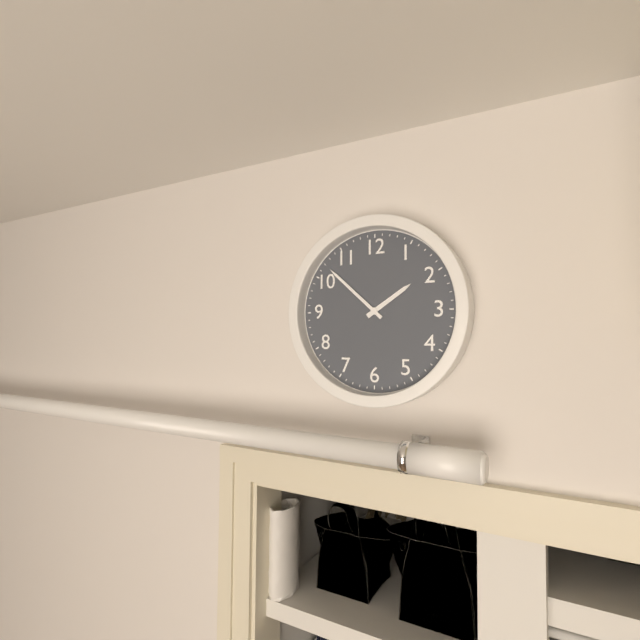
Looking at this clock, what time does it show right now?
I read 1:52
